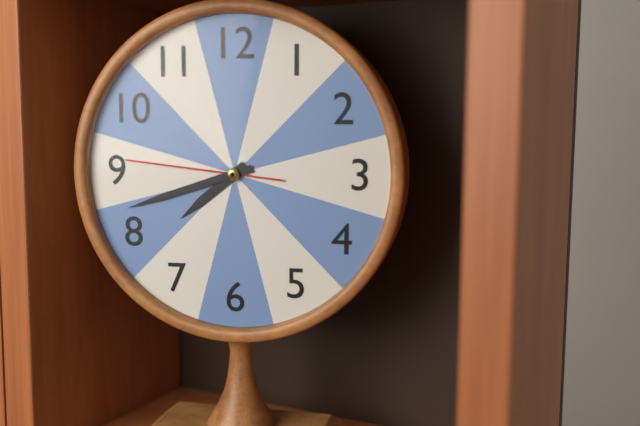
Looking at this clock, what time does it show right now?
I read 7:42:46
